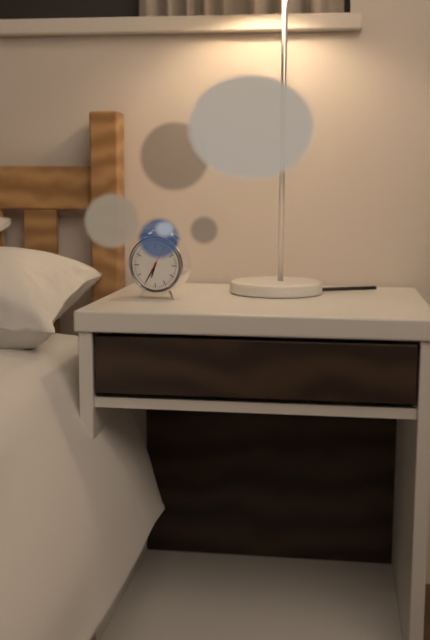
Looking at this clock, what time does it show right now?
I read 6:35
